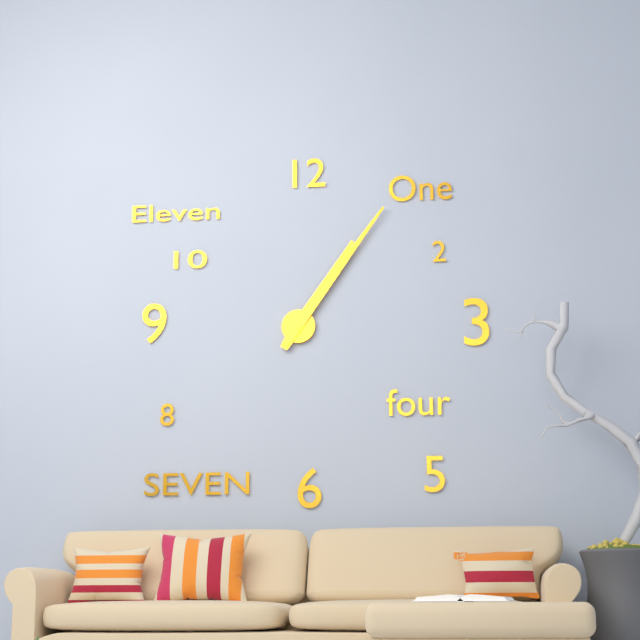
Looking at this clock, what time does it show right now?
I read 1:06
